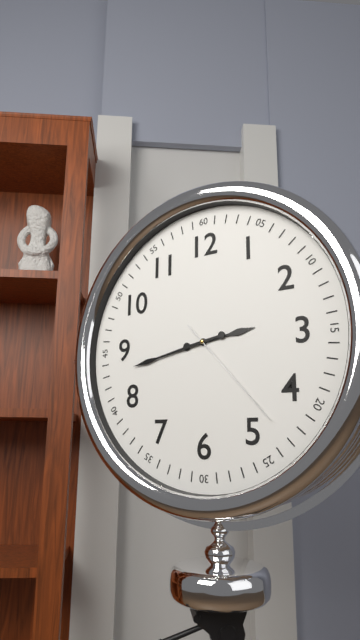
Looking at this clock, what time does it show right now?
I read 2:43:23
